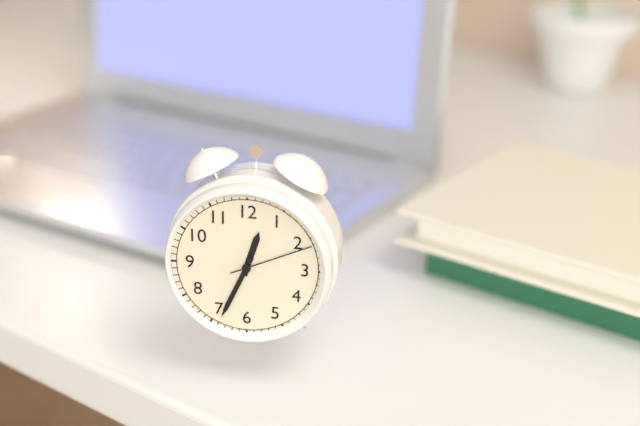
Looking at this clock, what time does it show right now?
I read 12:34:11
